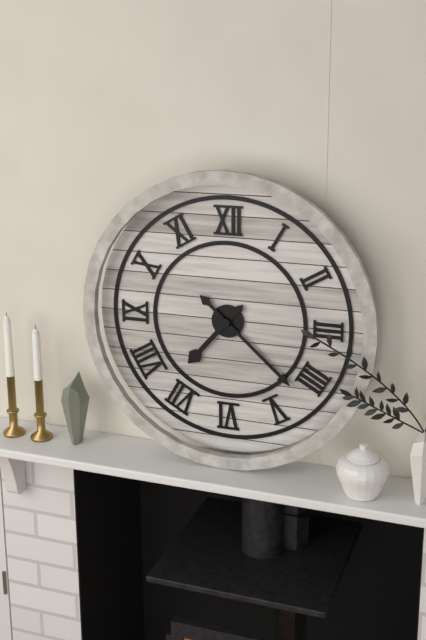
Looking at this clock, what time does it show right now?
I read 7:22
